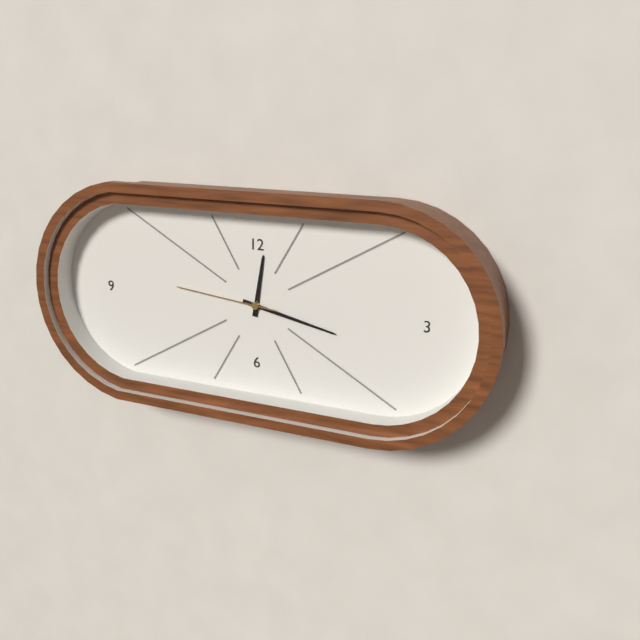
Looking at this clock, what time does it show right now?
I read 12:17:46
